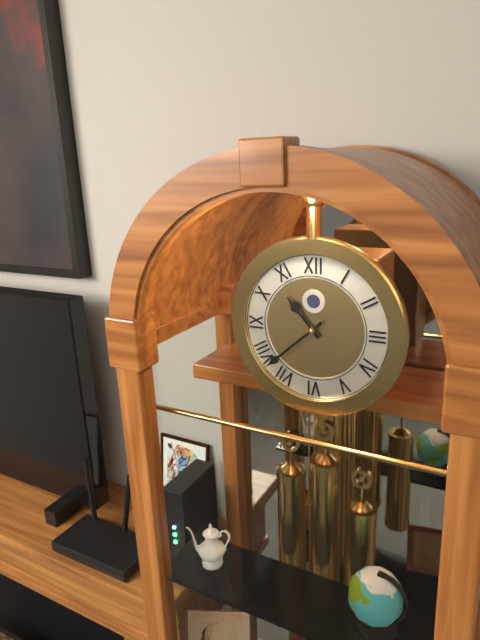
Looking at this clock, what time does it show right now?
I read 10:38
